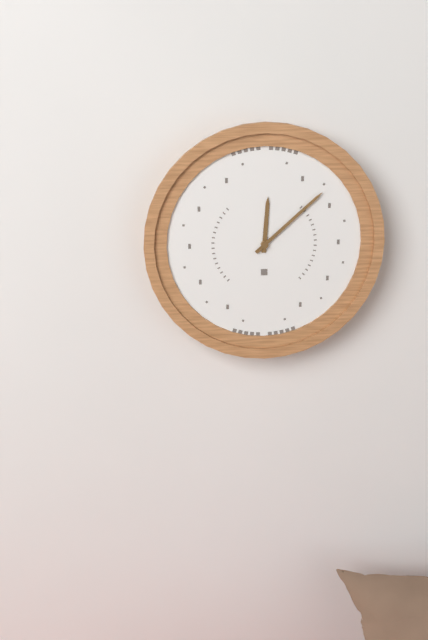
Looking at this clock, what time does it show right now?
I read 12:08
